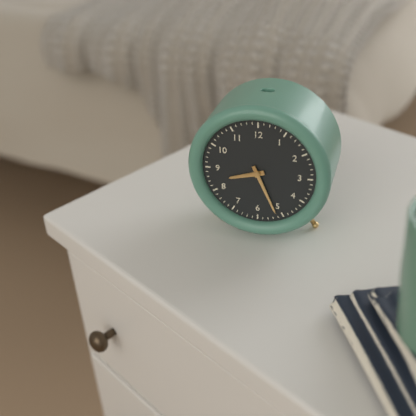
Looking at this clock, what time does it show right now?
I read 8:26
